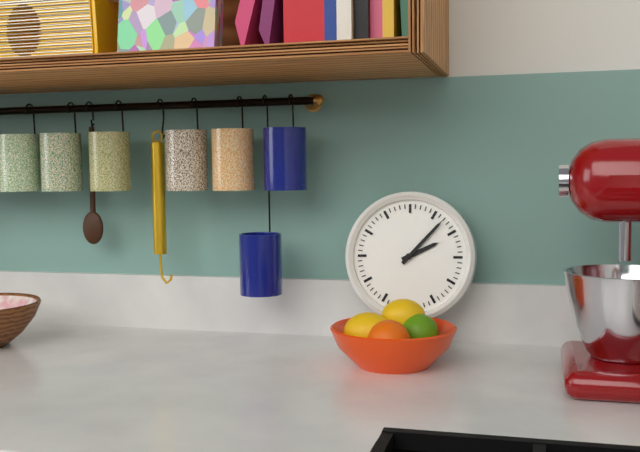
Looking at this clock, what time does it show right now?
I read 2:07
